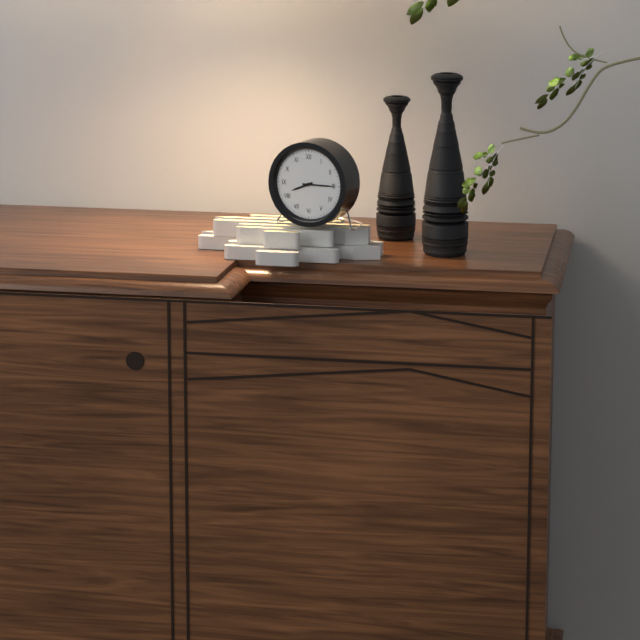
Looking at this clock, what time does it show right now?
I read 8:15
